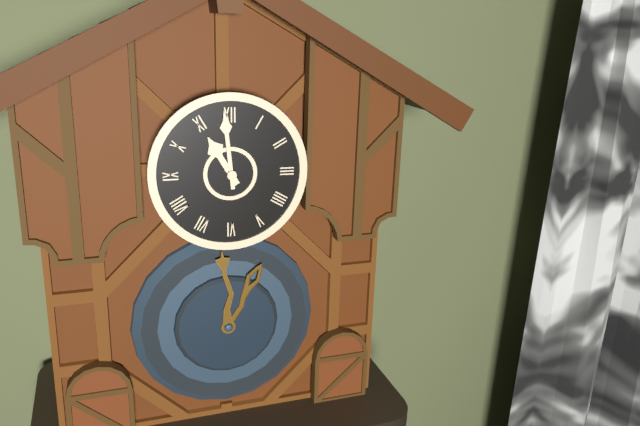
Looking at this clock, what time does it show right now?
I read 10:59
